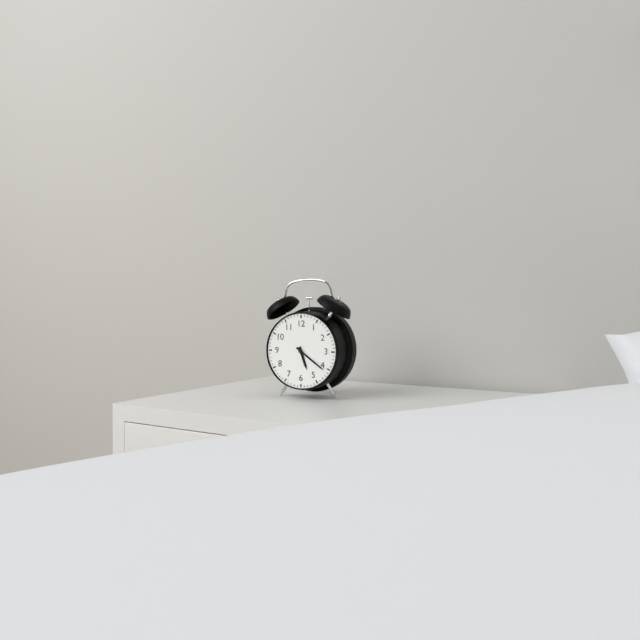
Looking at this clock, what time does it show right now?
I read 5:21
